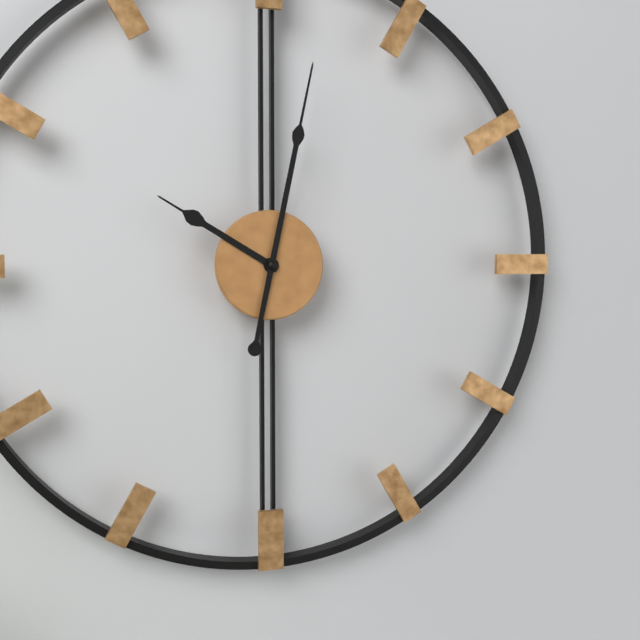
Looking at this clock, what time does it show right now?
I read 10:02
